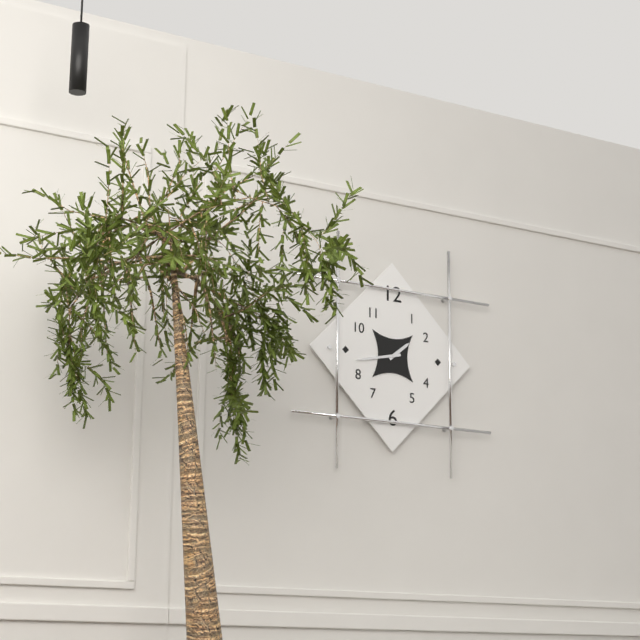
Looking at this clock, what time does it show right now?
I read 1:43
